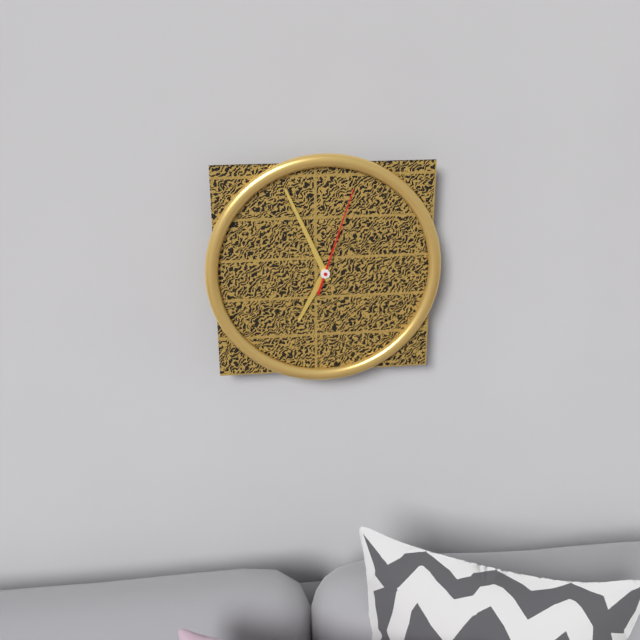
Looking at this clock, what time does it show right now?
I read 6:56:03
